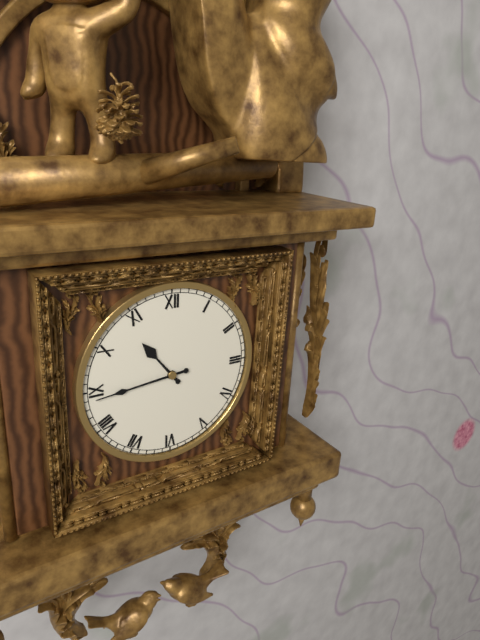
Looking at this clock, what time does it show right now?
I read 10:44
